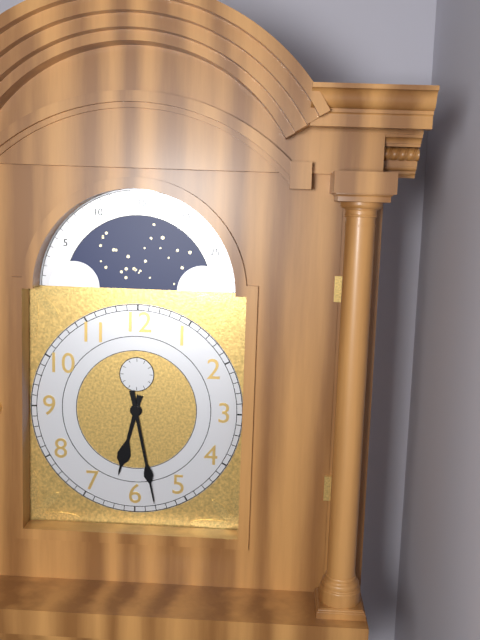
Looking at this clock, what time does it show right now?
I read 6:28
